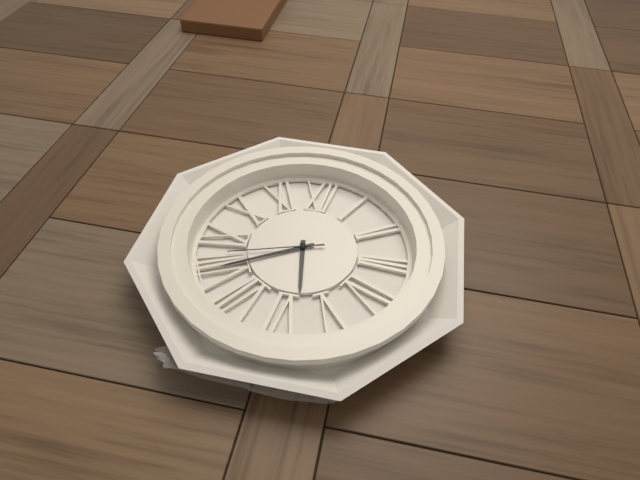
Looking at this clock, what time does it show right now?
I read 5:40:42
